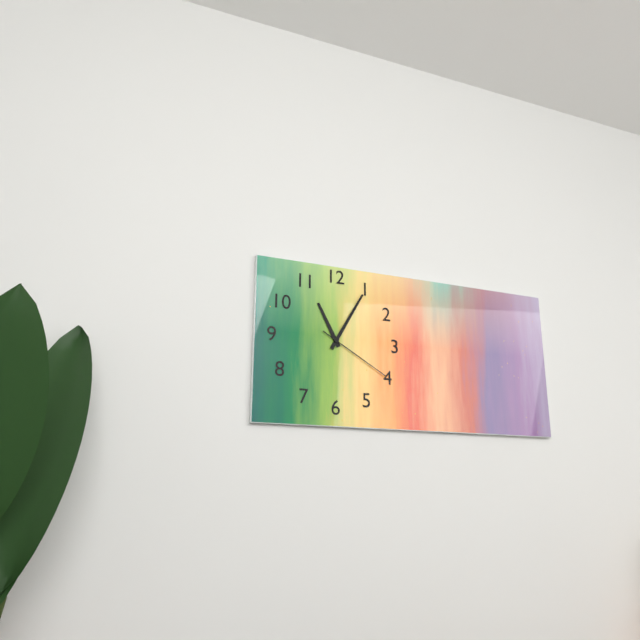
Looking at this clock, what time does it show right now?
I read 11:05:20
